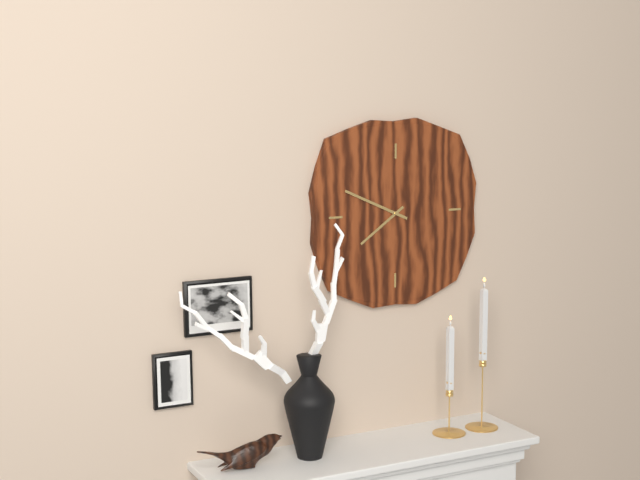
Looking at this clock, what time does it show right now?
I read 7:49
